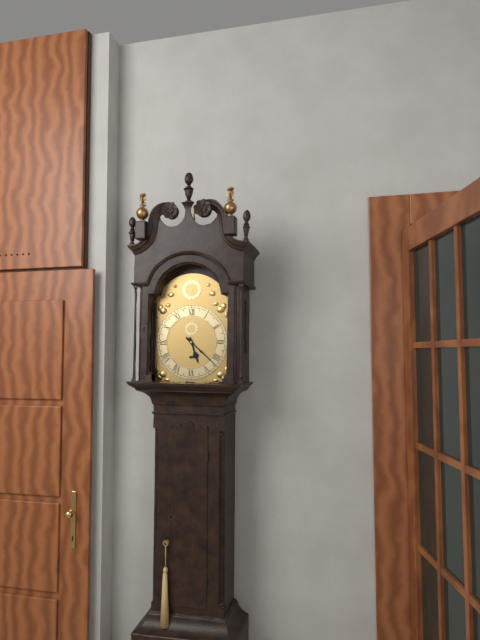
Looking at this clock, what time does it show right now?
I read 5:22
